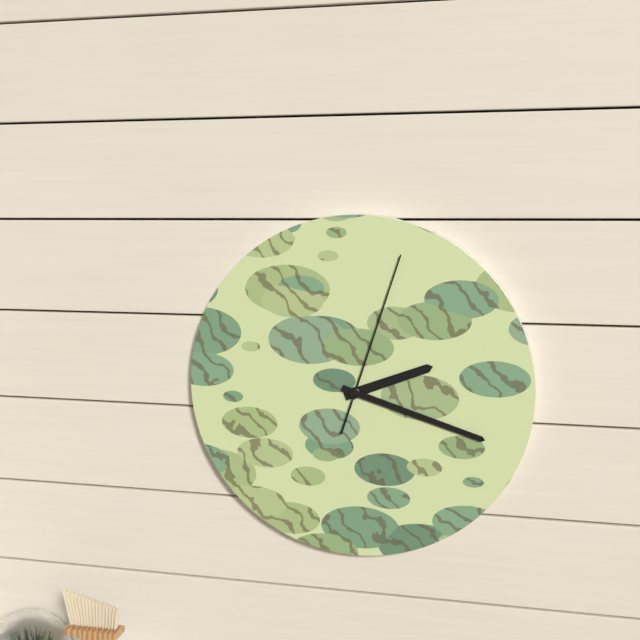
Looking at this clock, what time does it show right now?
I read 2:18:03
